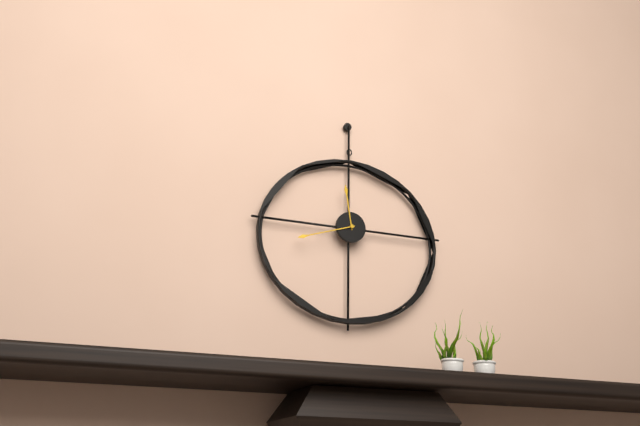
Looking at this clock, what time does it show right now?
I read 11:42
